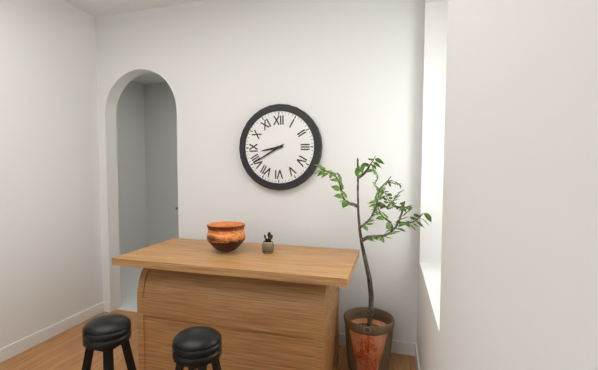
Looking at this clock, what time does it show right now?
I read 8:40
